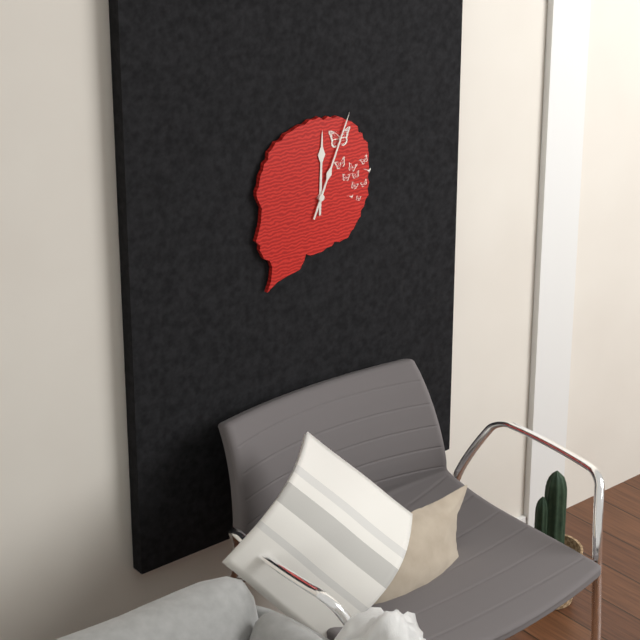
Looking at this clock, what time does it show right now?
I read 12:04
